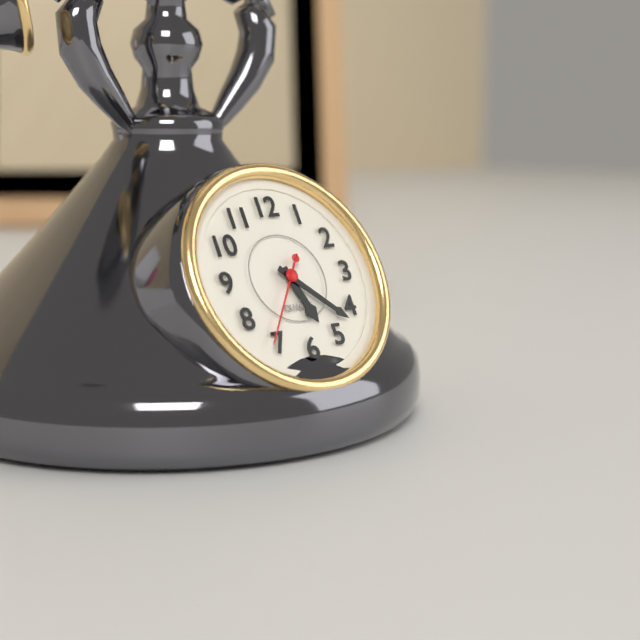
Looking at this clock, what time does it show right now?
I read 5:22:36
